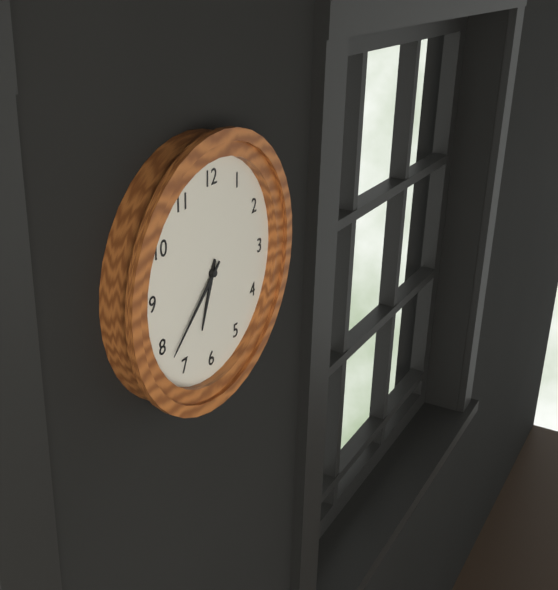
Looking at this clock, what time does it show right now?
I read 6:38
